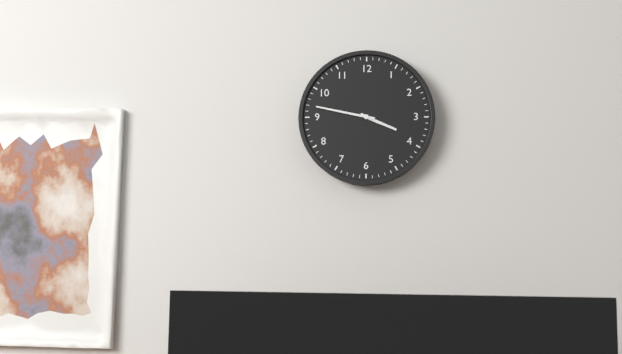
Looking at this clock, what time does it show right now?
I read 3:47
